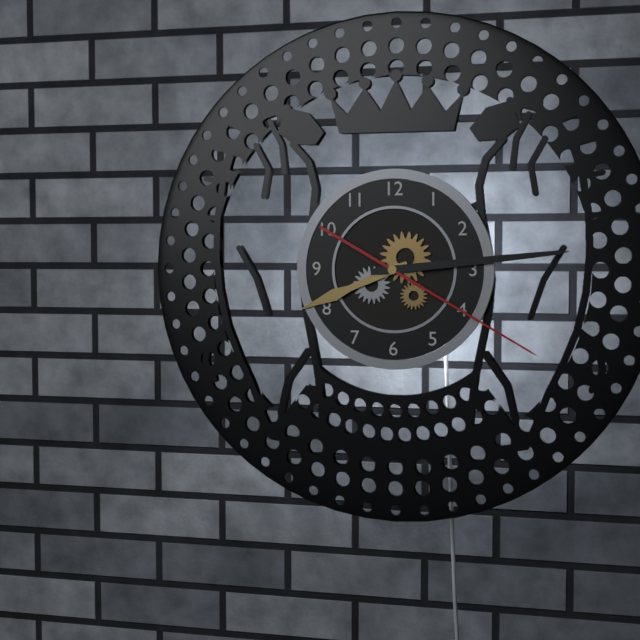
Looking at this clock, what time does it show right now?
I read 8:14:20
